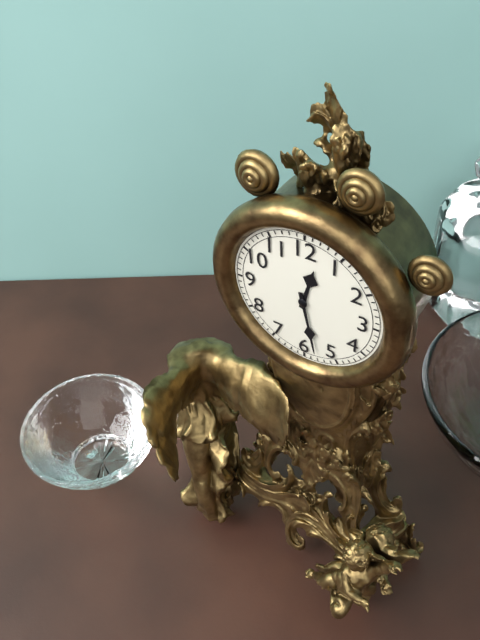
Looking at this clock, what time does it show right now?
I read 12:28
